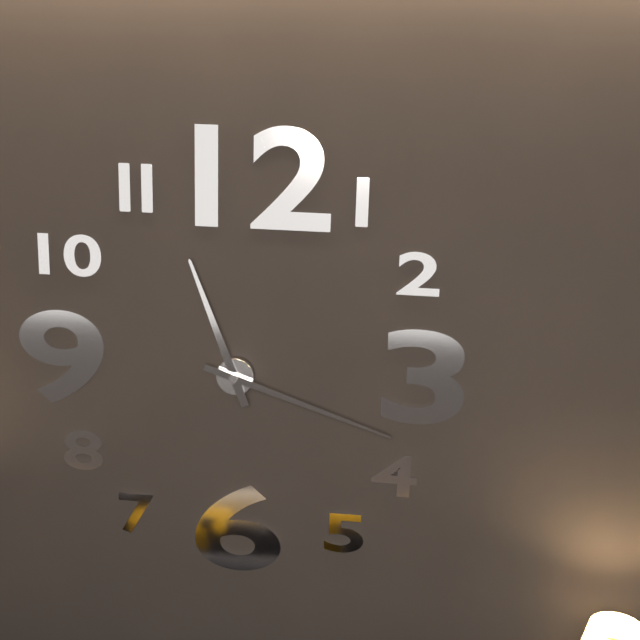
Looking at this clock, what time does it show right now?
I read 11:18
